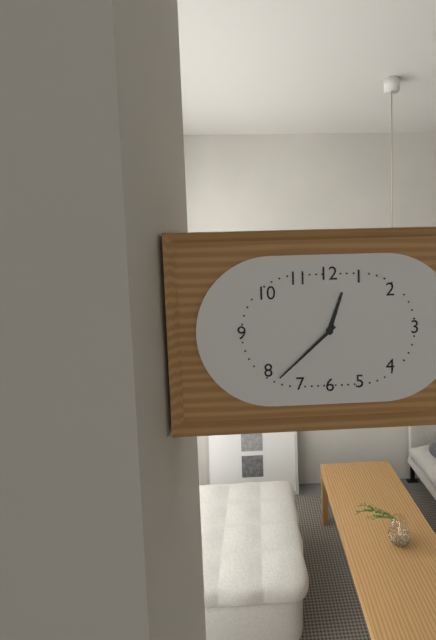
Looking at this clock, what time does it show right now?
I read 12:38
